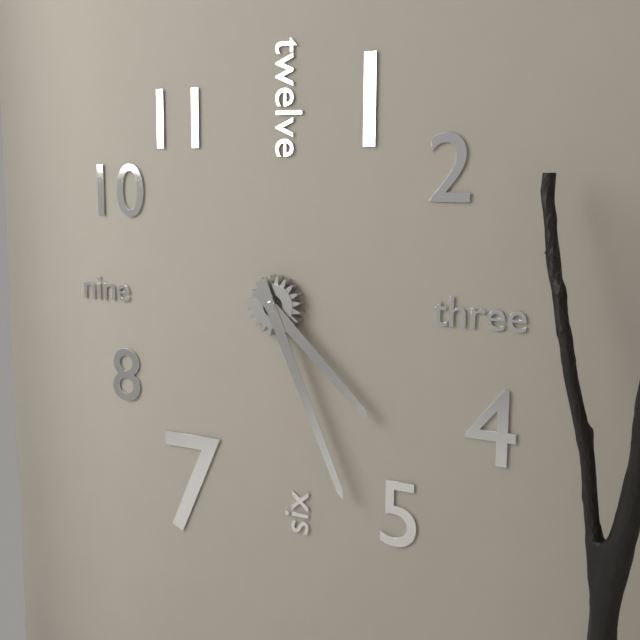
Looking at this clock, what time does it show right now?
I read 4:26
